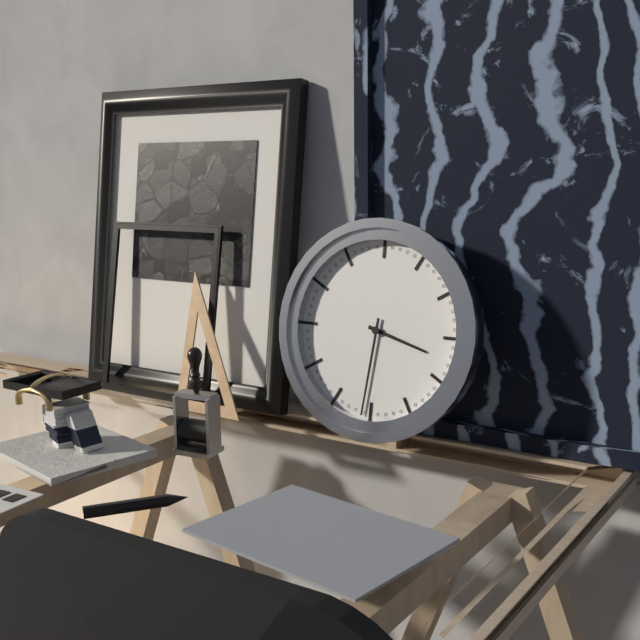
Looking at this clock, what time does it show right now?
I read 3:31
